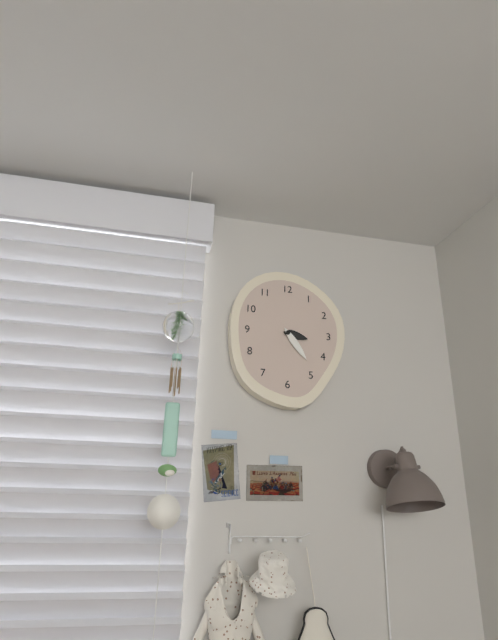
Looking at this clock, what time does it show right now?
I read 3:24
